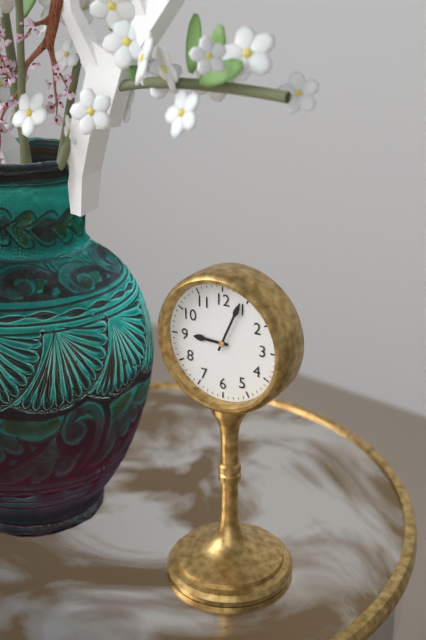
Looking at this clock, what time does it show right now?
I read 9:04
